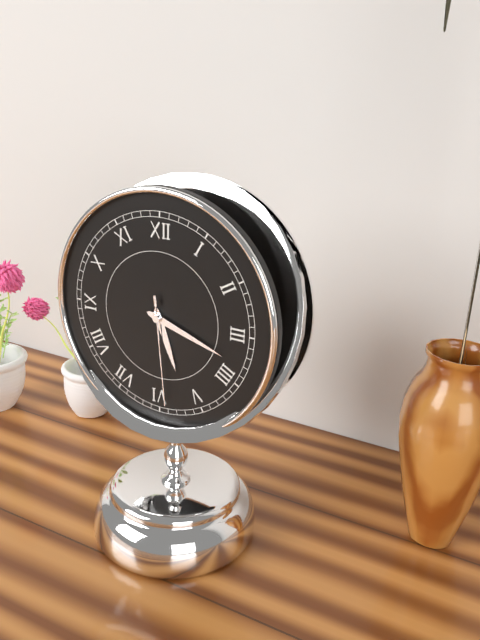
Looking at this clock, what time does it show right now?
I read 5:18:29
